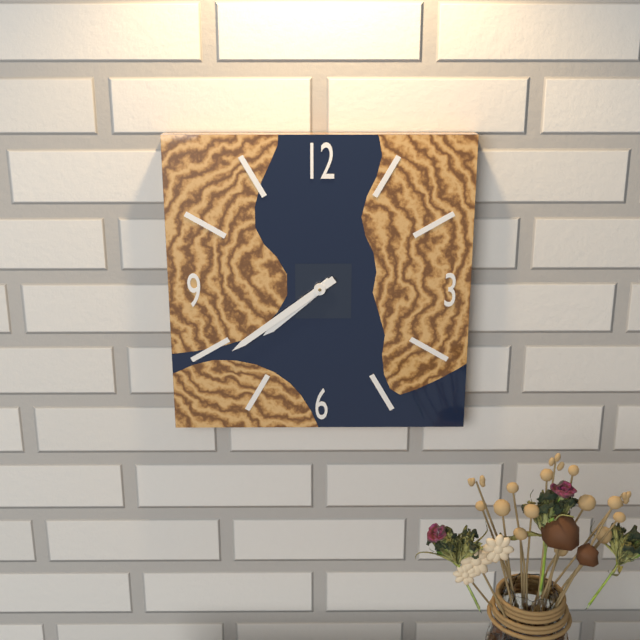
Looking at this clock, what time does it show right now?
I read 7:39
